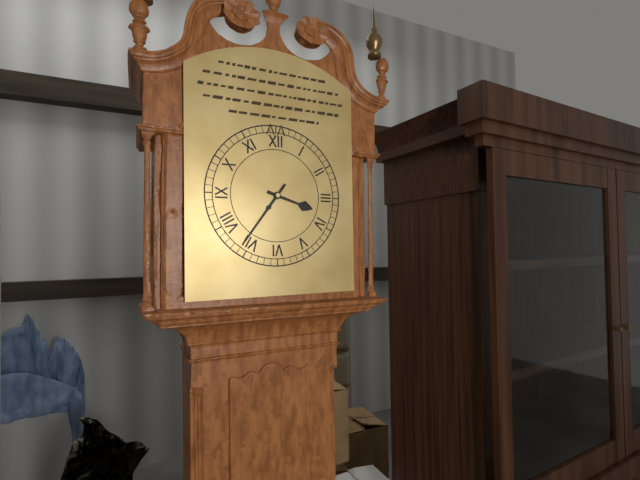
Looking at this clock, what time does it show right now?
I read 3:36
